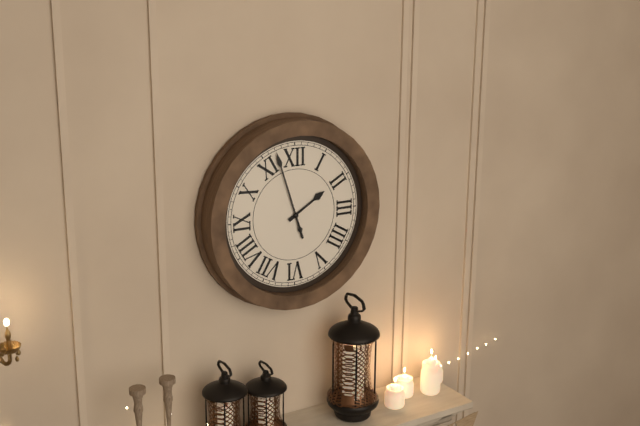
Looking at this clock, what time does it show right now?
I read 1:57
